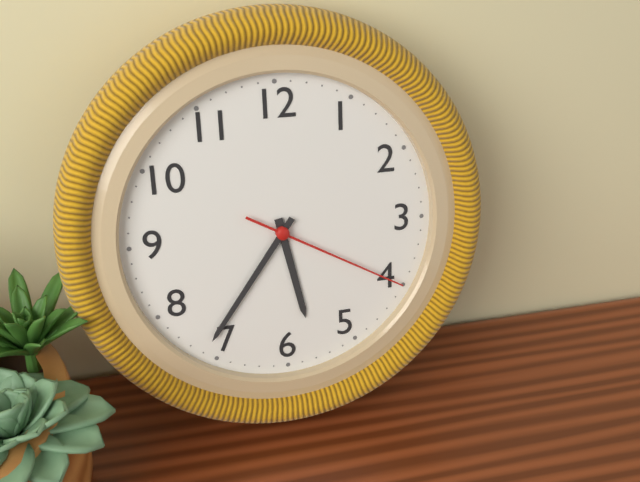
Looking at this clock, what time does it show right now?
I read 5:36:20
